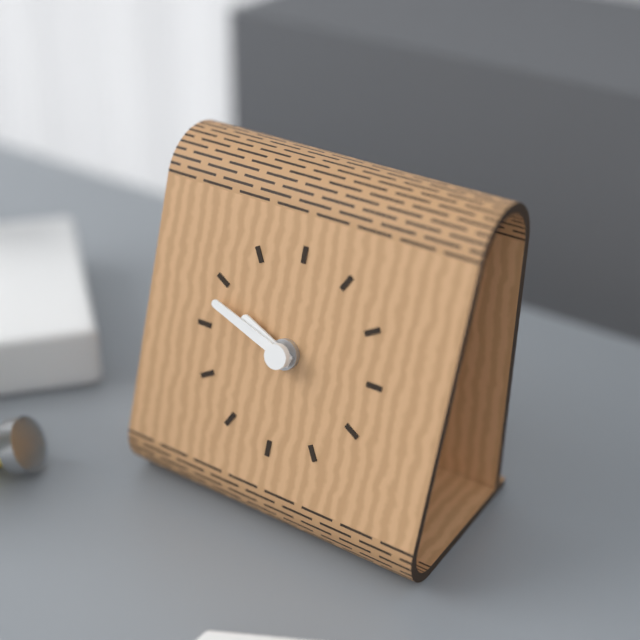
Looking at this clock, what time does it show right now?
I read 9:48
